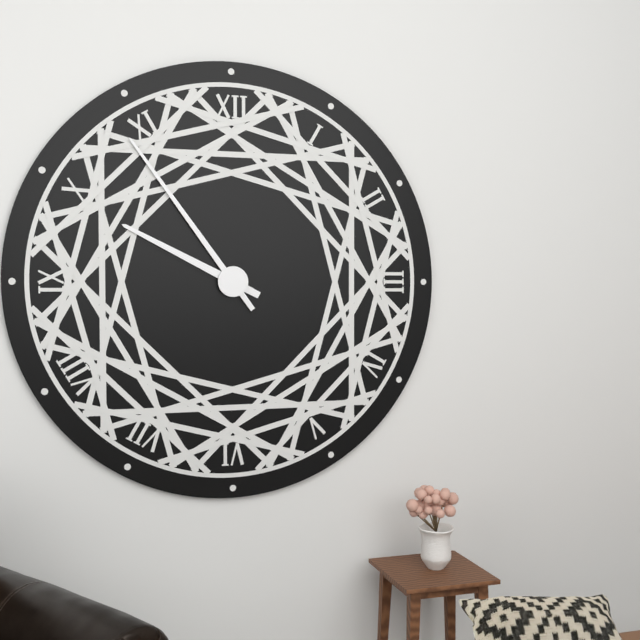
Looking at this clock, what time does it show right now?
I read 9:54
